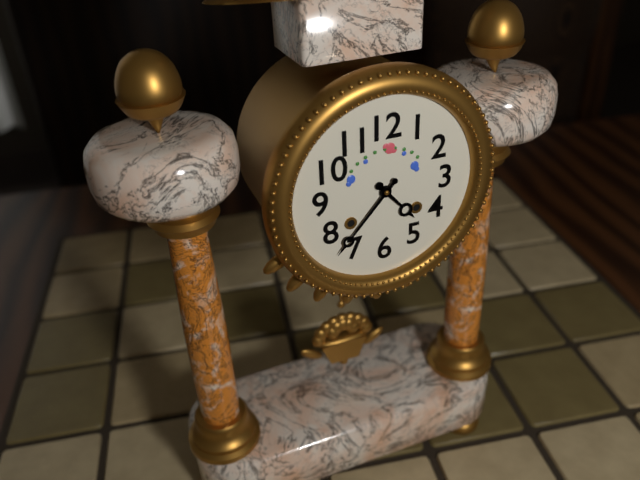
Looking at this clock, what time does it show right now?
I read 4:37
